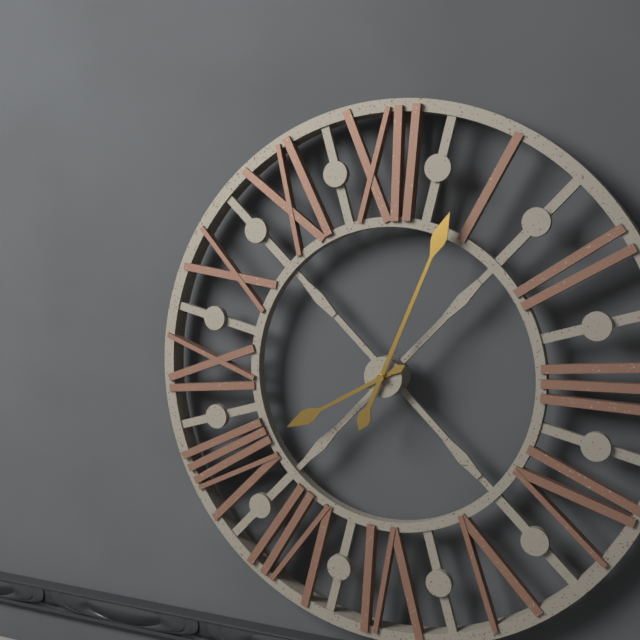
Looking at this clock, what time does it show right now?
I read 8:04
